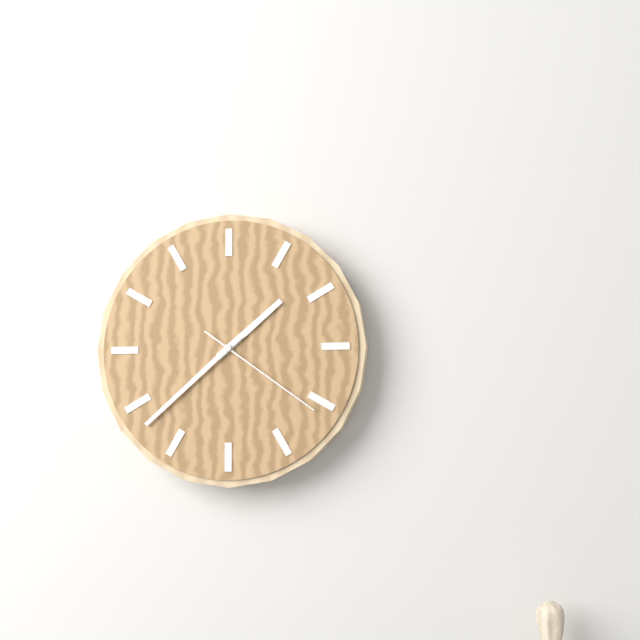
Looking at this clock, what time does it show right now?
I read 1:38:21
